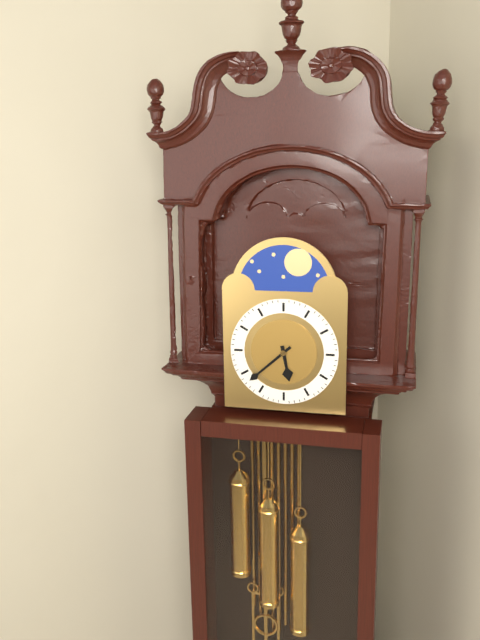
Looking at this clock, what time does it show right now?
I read 5:38
